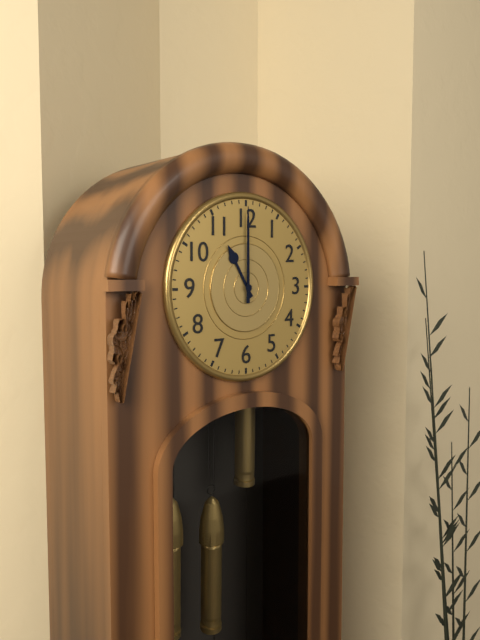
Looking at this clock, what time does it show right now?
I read 11:00
